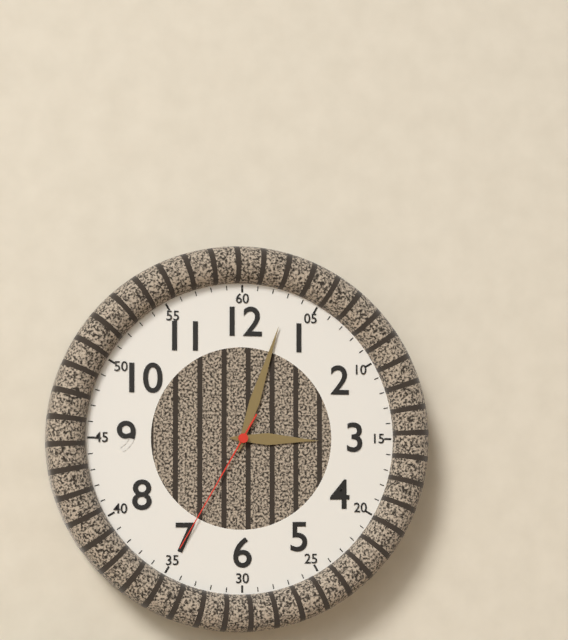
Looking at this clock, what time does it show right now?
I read 3:03:35
